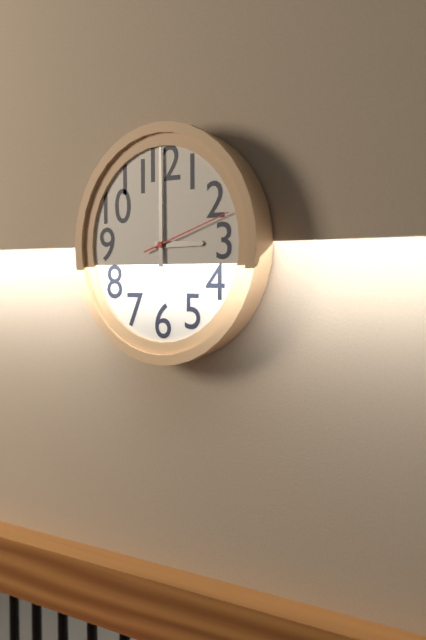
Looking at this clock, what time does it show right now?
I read 3:00:12
